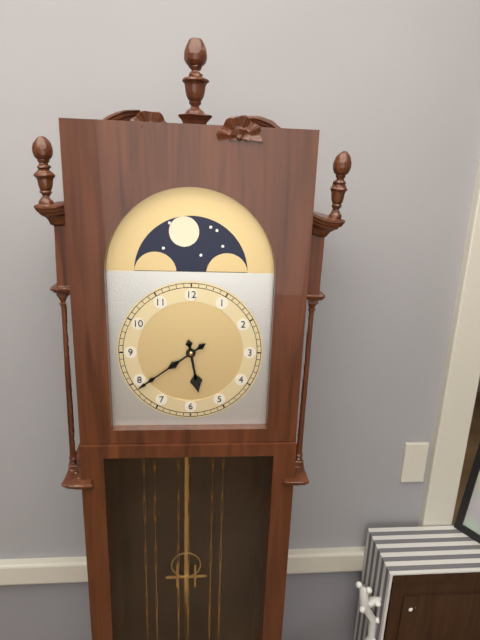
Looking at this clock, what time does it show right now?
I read 5:39
